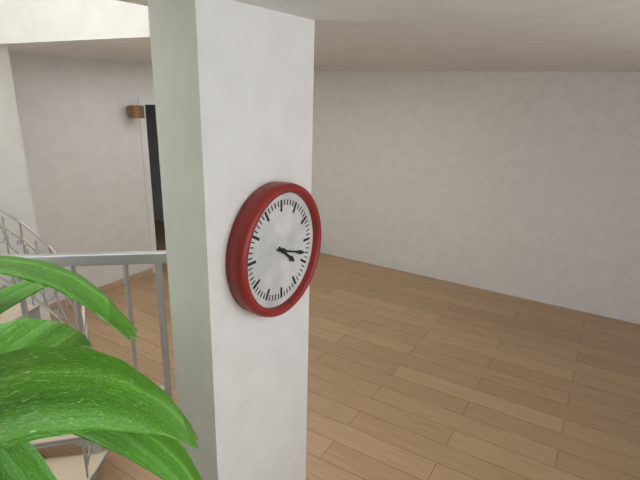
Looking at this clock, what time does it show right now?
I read 4:18
